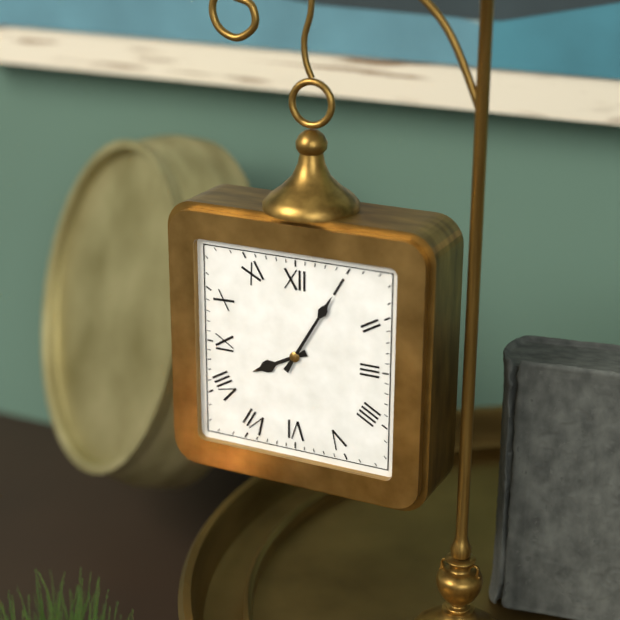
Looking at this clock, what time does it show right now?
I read 8:05
